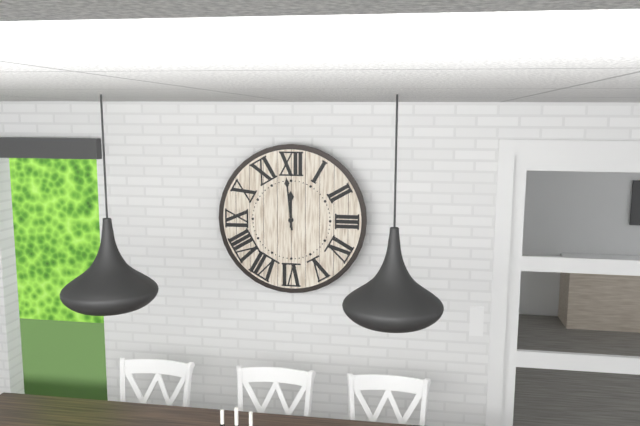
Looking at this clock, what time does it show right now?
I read 11:59
